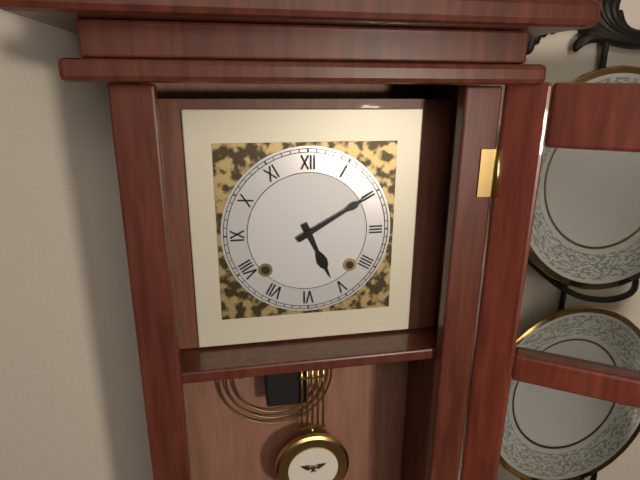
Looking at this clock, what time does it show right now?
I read 5:10
